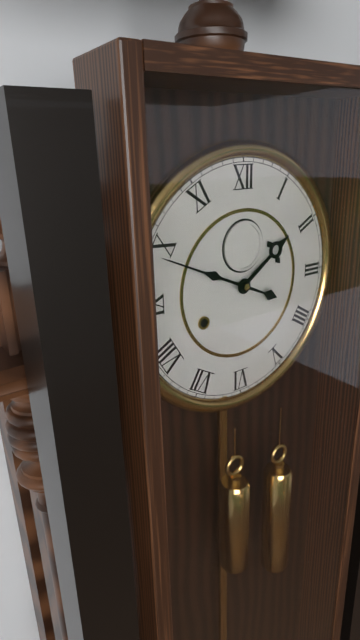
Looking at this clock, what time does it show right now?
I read 1:49
